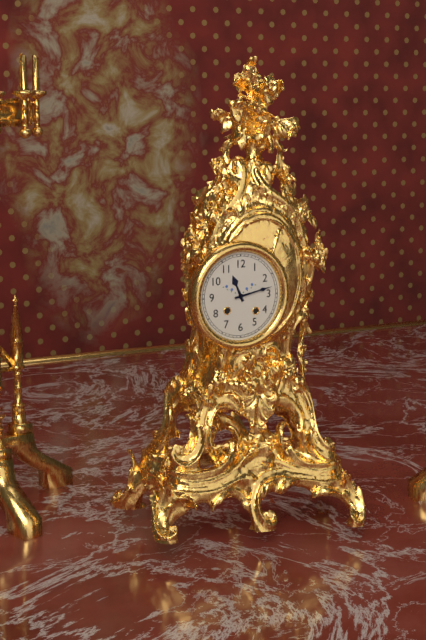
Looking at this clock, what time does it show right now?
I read 11:13
